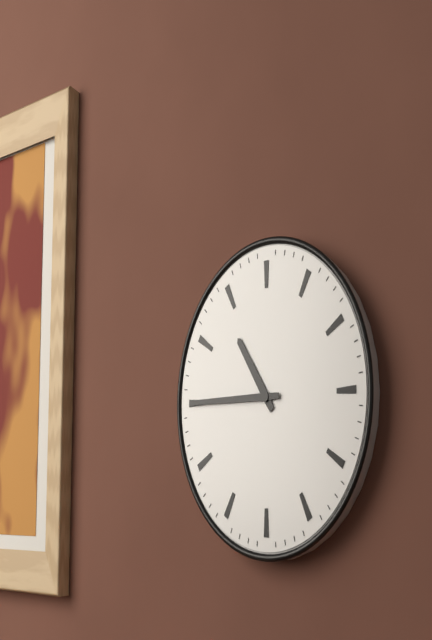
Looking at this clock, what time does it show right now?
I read 10:45
